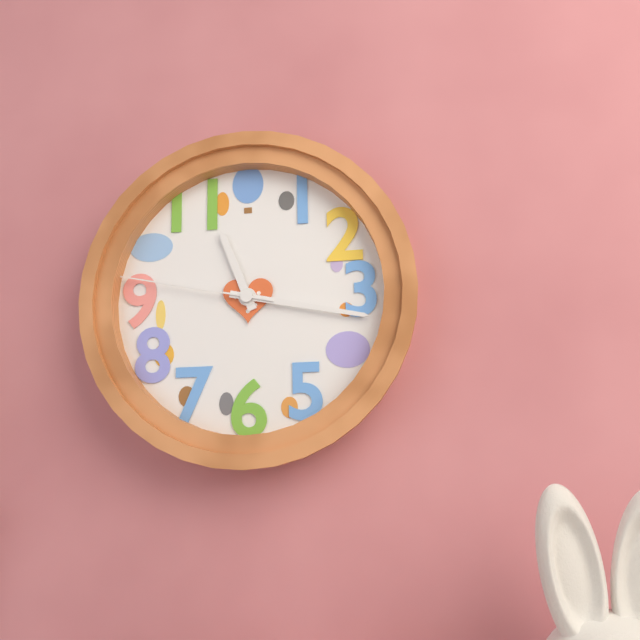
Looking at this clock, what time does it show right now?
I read 11:17:47
